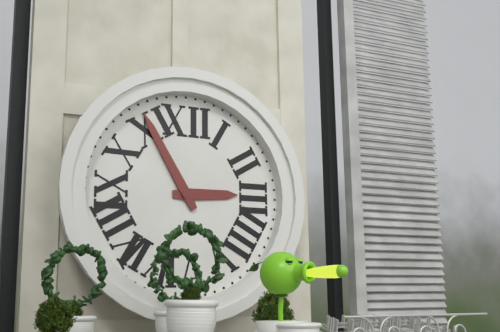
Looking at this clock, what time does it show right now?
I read 2:55
